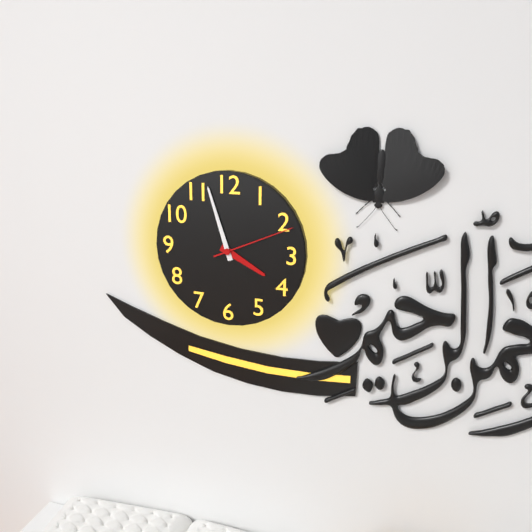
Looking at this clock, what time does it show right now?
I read 3:57:11
